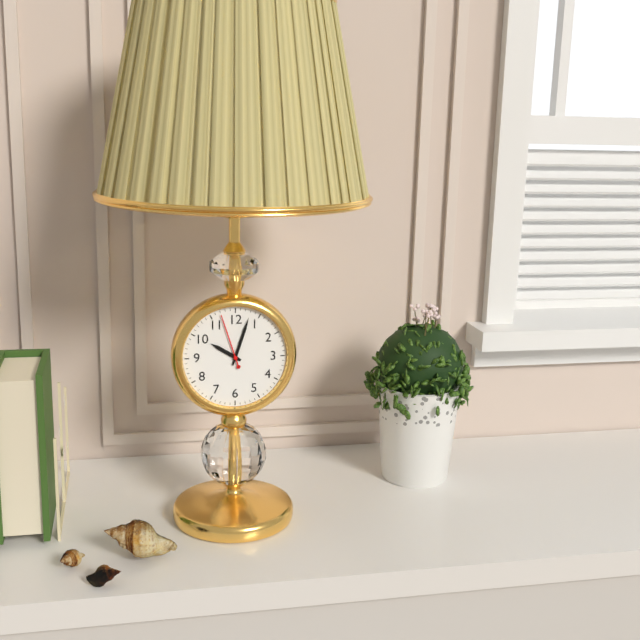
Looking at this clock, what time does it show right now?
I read 10:03:57
